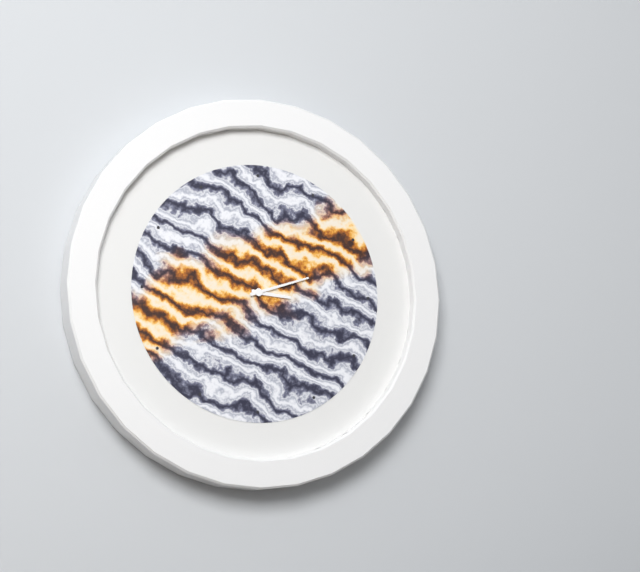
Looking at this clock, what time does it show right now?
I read 3:12
